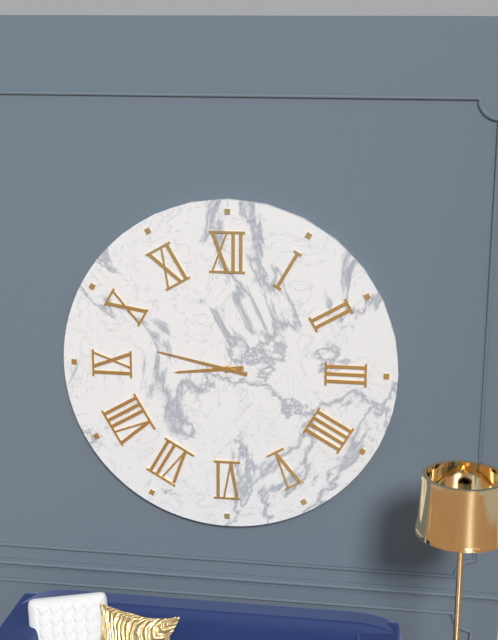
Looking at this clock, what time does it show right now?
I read 8:47
